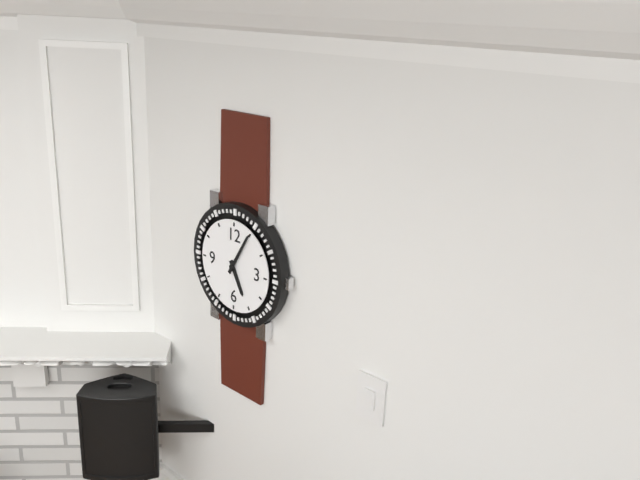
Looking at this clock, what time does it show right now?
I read 5:05
